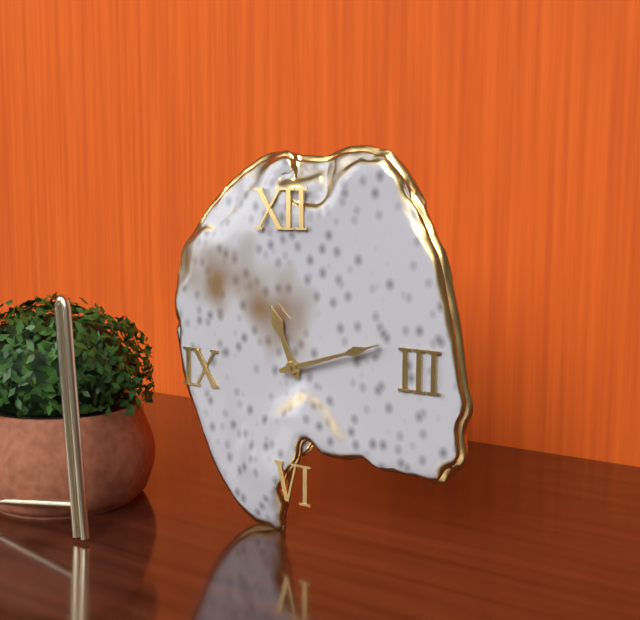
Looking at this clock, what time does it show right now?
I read 11:12
